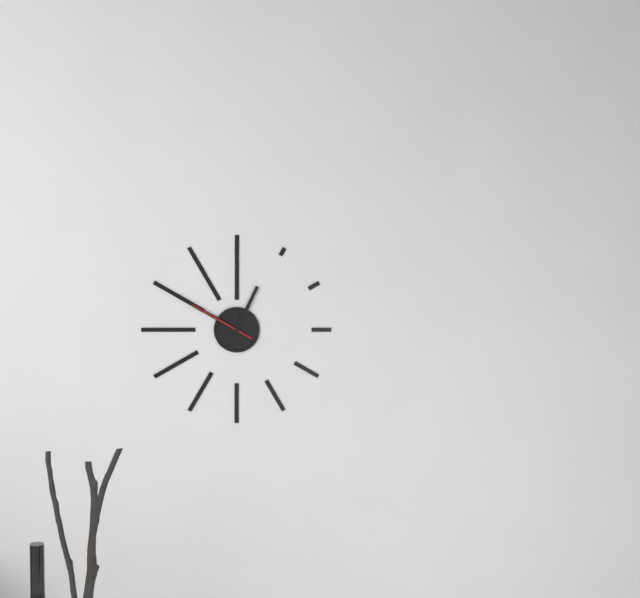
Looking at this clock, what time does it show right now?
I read 12:50:50
